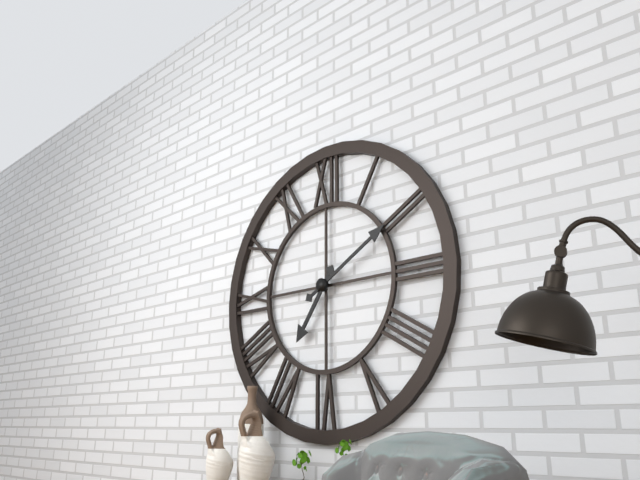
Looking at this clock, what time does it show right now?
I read 7:10
